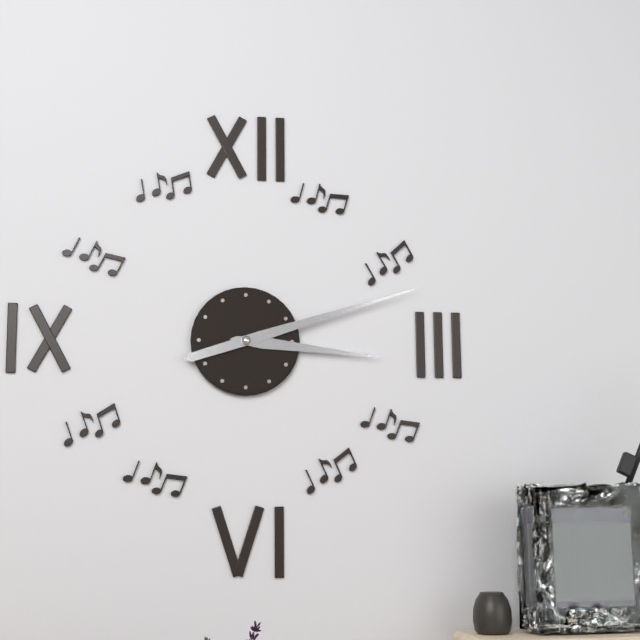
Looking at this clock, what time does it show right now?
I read 3:12
